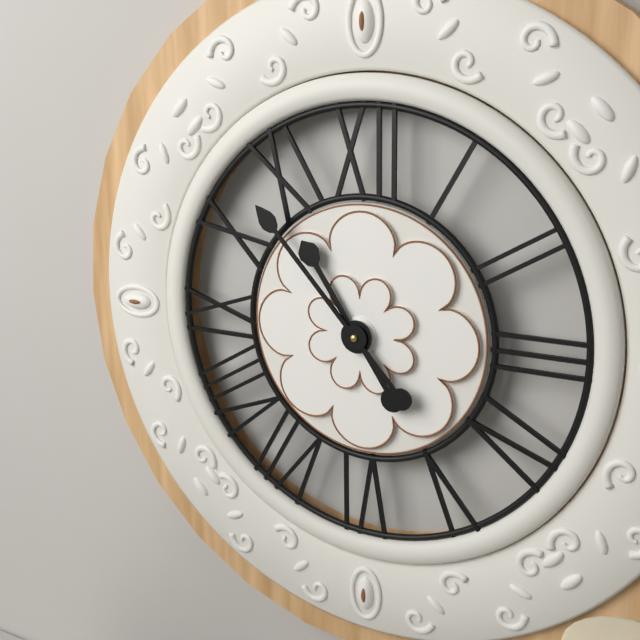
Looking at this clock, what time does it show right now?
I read 10:53
